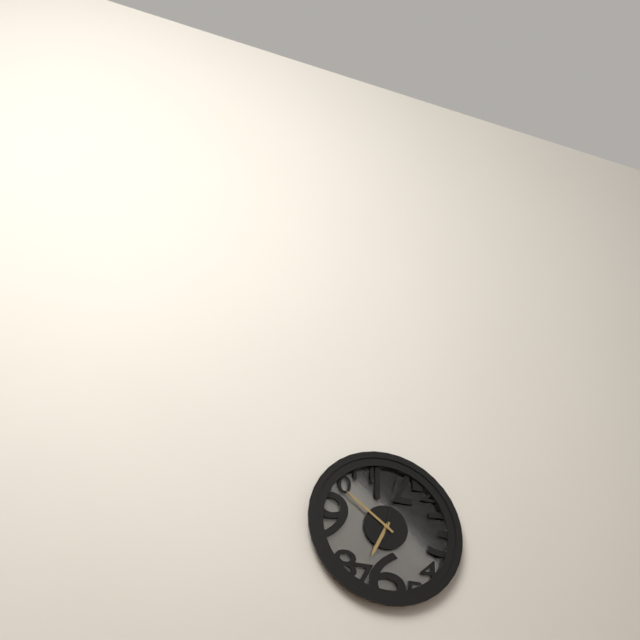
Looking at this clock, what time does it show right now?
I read 6:51:02
